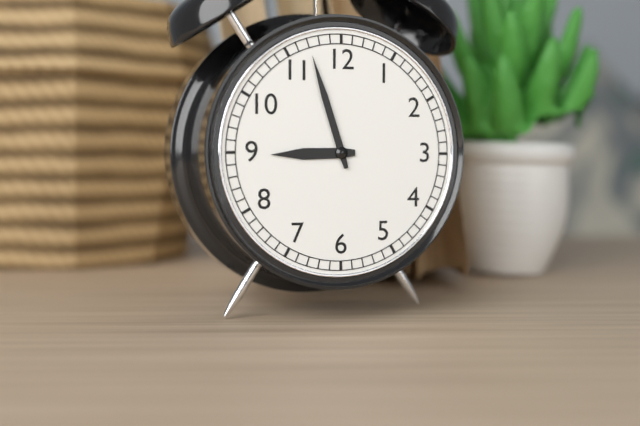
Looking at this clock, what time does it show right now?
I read 8:57
